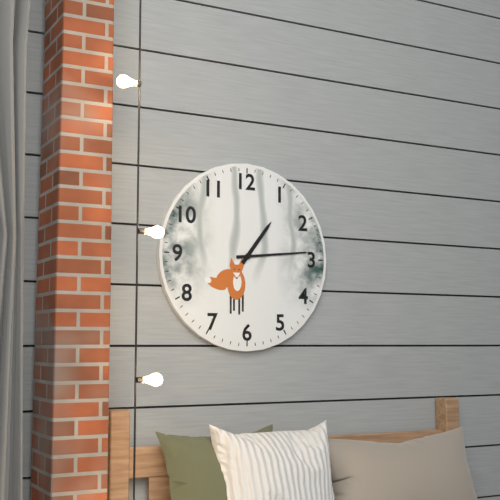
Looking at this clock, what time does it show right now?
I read 1:14
